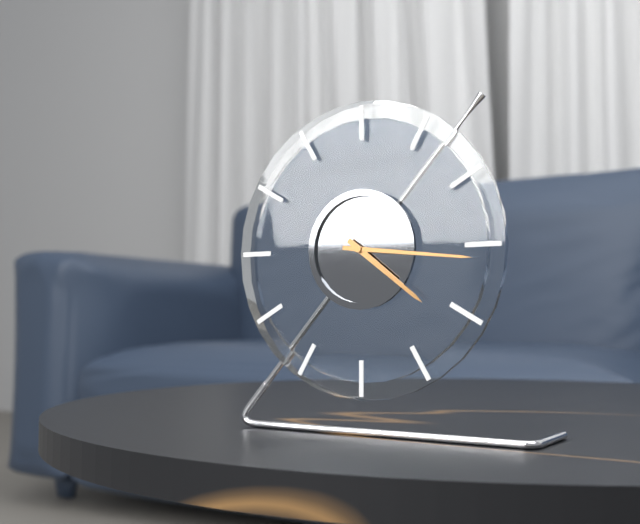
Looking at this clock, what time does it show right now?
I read 4:16
